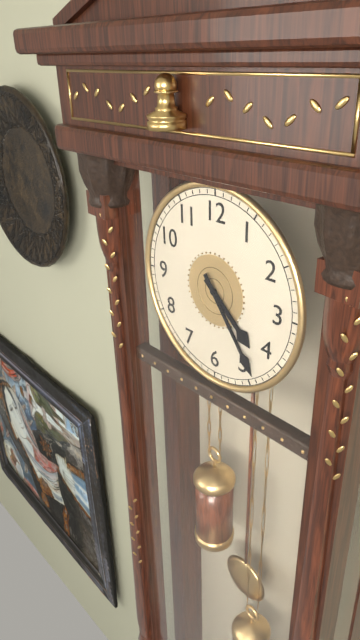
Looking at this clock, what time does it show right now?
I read 4:24
